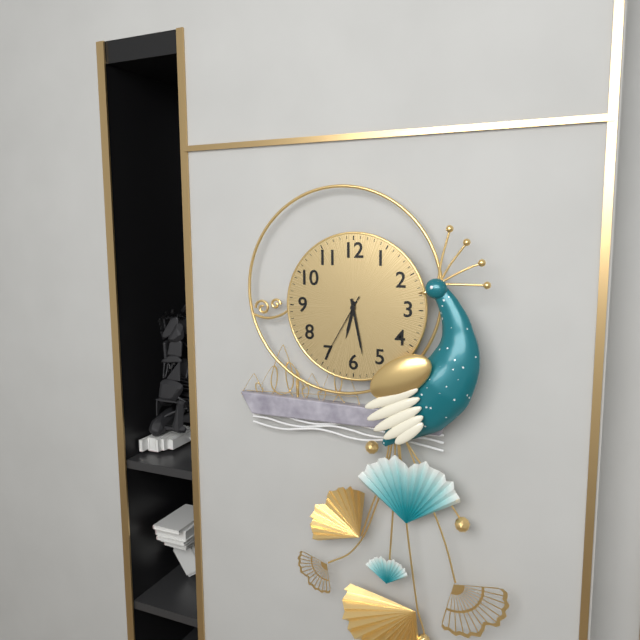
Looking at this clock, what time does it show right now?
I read 6:28:35
